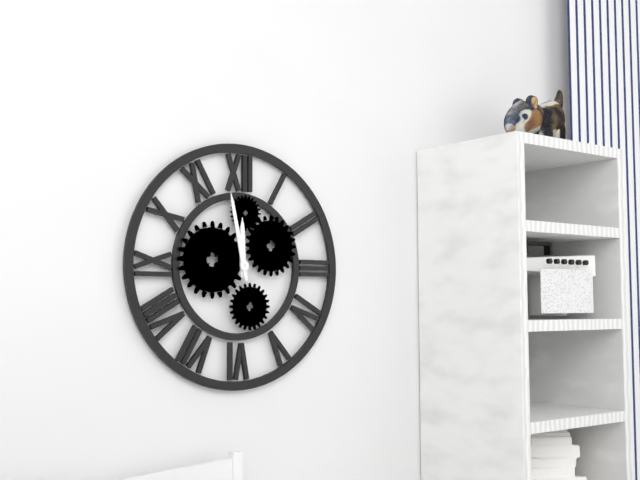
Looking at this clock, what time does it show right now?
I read 11:58
